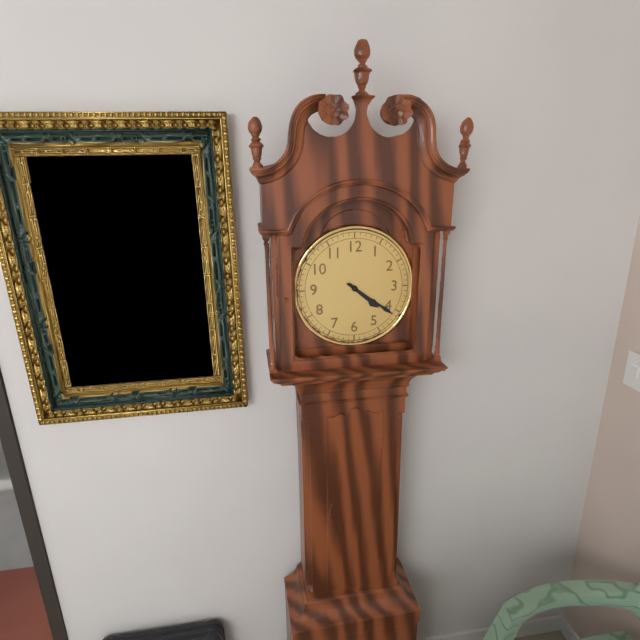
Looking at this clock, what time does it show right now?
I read 4:21
